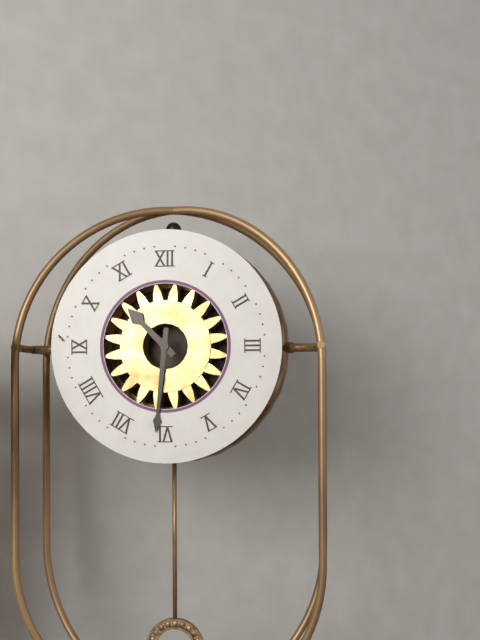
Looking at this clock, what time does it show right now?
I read 10:31
